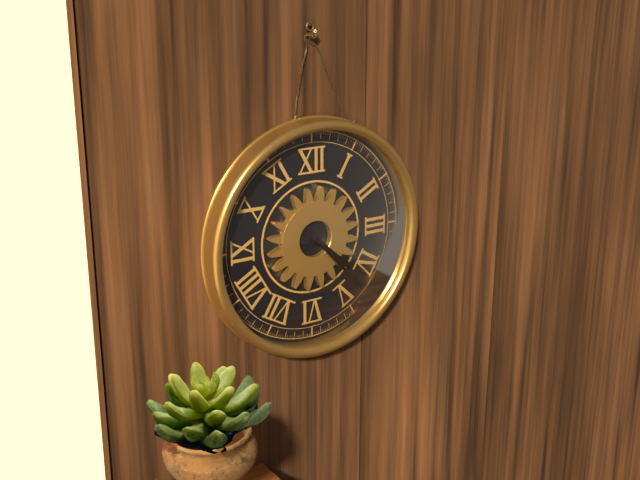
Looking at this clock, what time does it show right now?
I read 4:23
